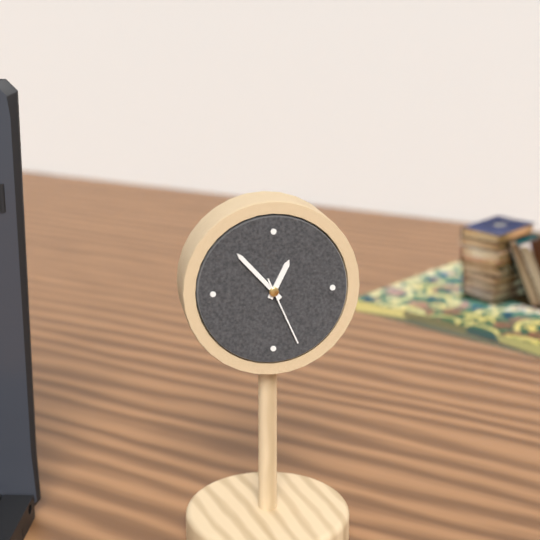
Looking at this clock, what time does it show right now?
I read 12:53:26
